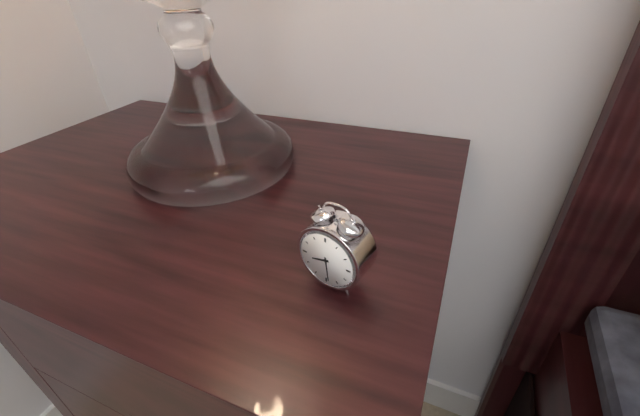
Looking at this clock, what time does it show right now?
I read 8:29
